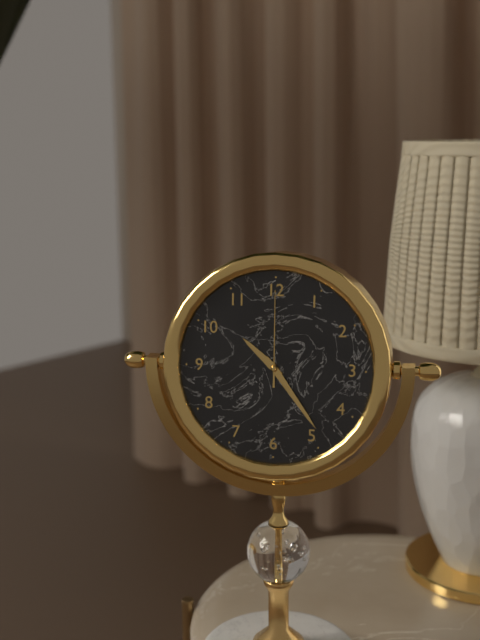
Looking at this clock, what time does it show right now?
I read 10:24:00
